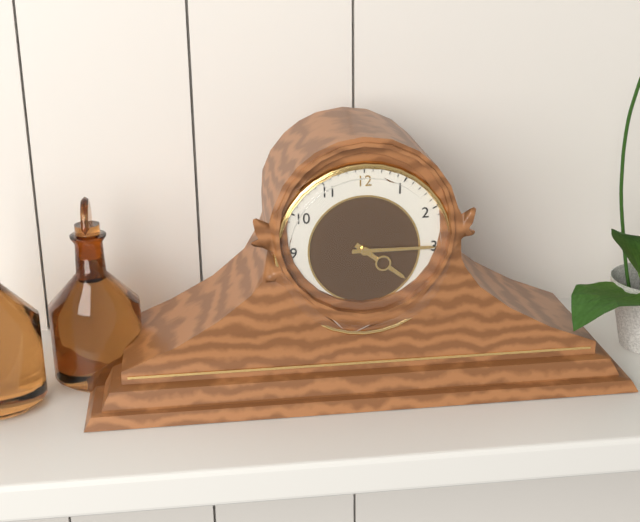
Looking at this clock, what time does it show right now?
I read 4:15
